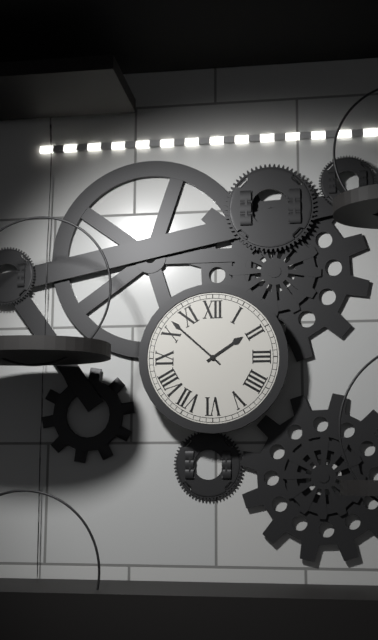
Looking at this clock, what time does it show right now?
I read 1:52
